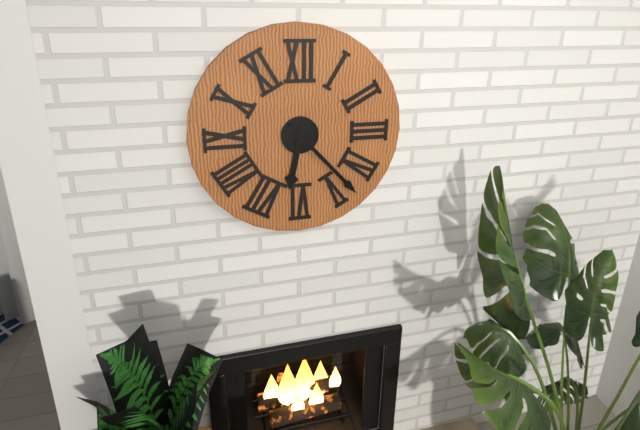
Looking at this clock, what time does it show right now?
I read 6:23
